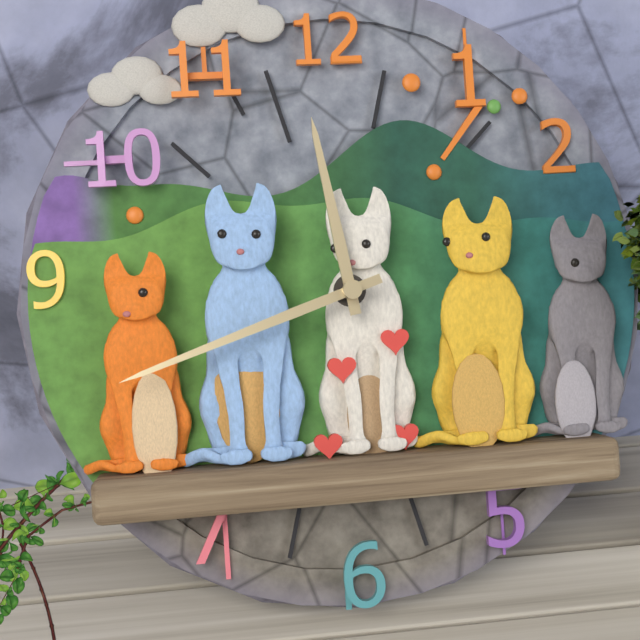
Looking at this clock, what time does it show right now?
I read 11:42
